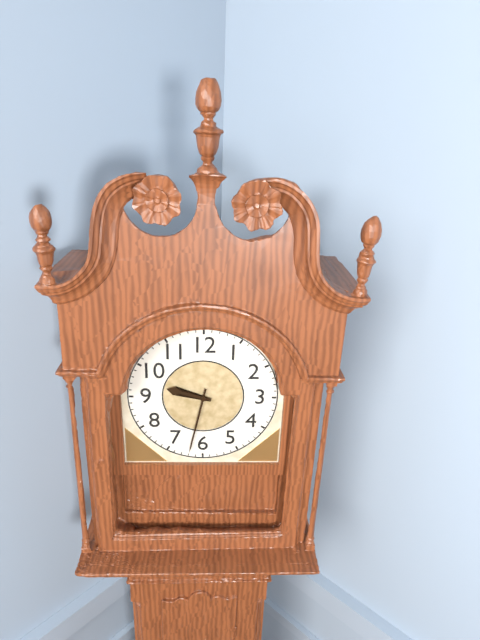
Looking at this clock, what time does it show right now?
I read 9:32
